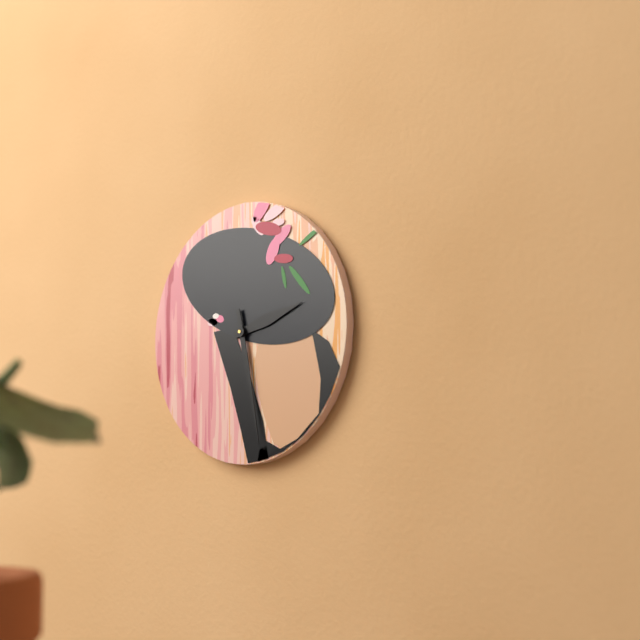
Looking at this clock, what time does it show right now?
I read 2:28
